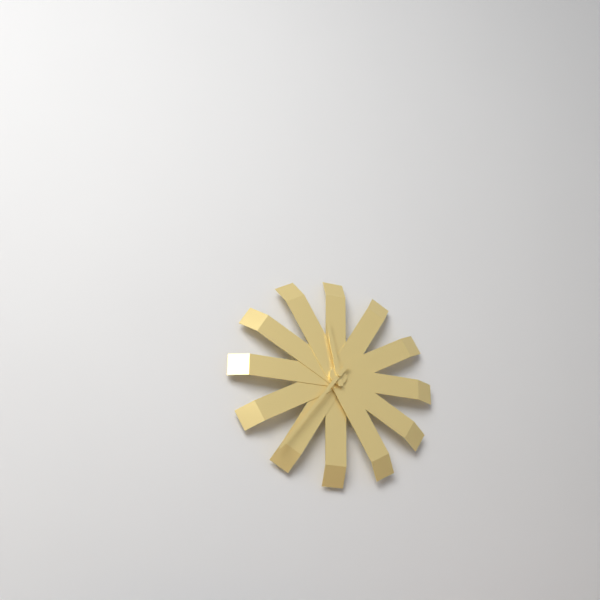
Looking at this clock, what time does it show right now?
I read 11:36
